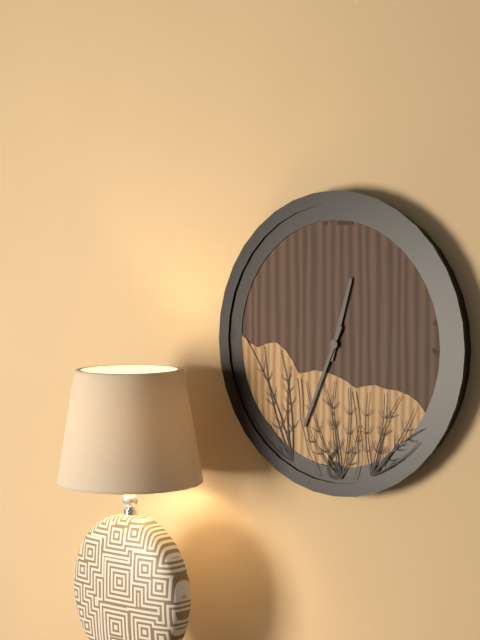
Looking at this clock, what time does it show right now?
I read 12:34
